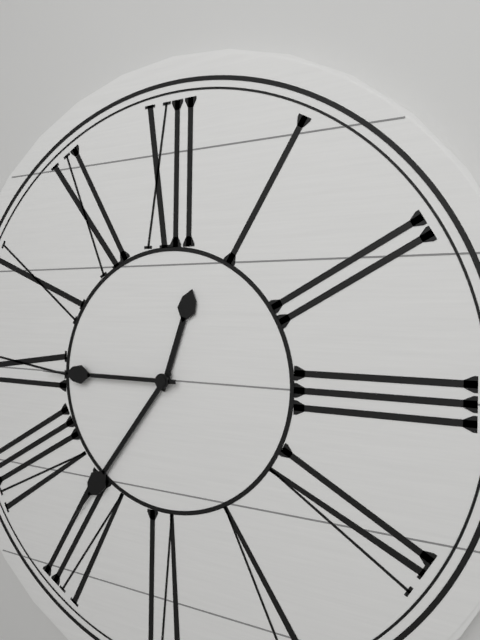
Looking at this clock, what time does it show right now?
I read 12:36:45
